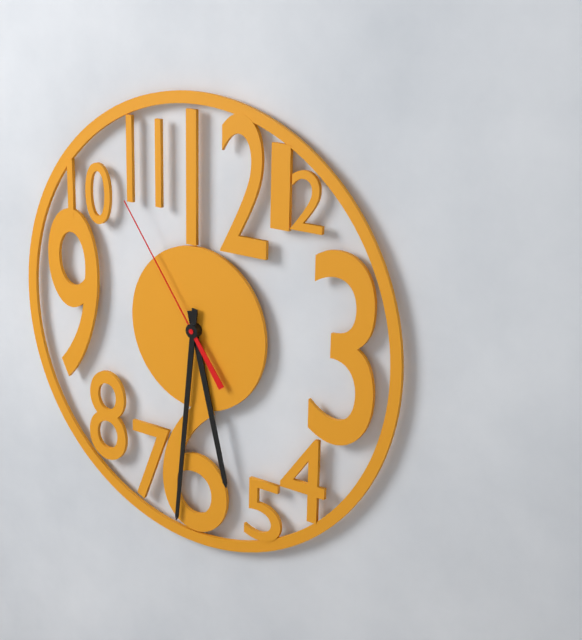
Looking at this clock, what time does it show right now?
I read 5:31:54
